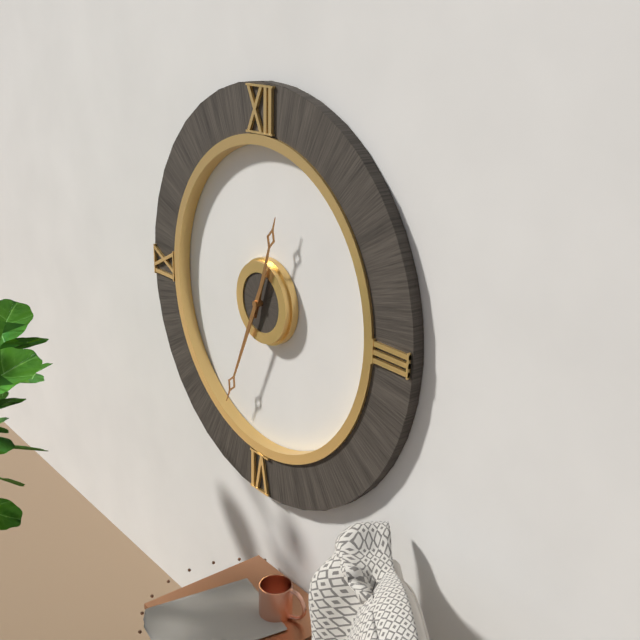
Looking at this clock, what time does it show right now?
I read 12:34
